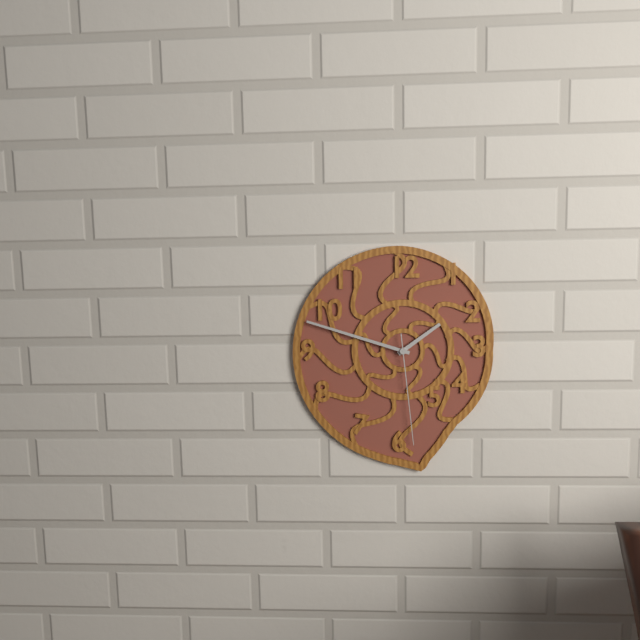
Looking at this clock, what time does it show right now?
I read 1:48:29
